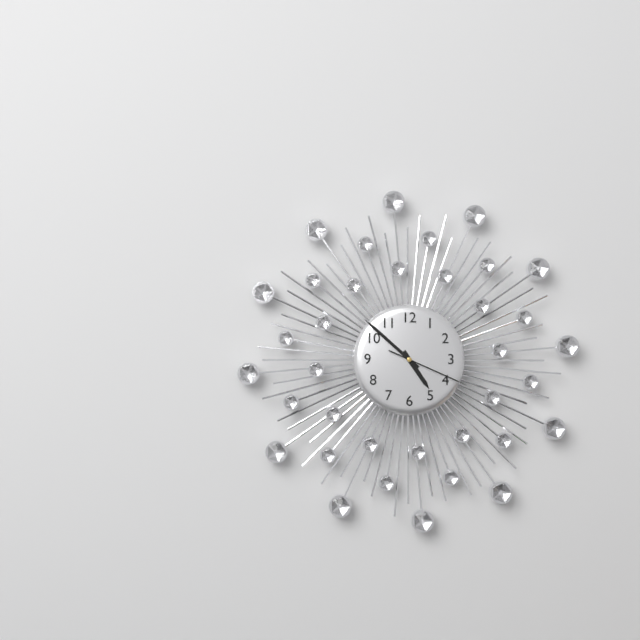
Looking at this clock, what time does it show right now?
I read 4:52:19
